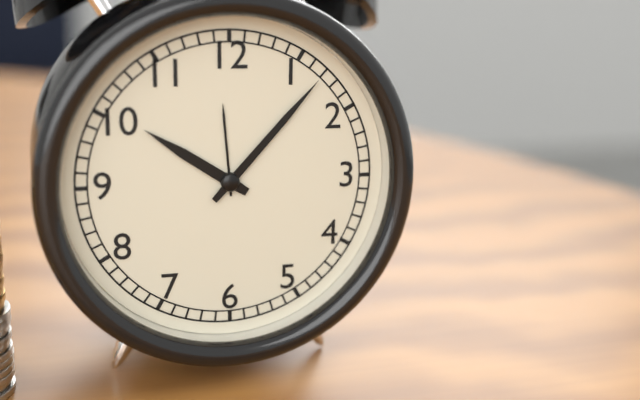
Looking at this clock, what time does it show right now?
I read 10:07
